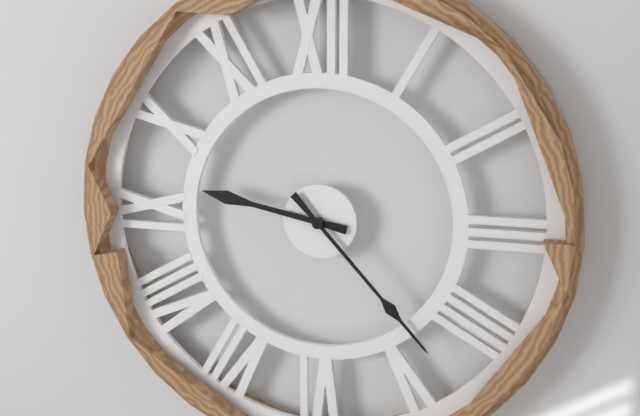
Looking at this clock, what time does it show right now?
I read 9:23
